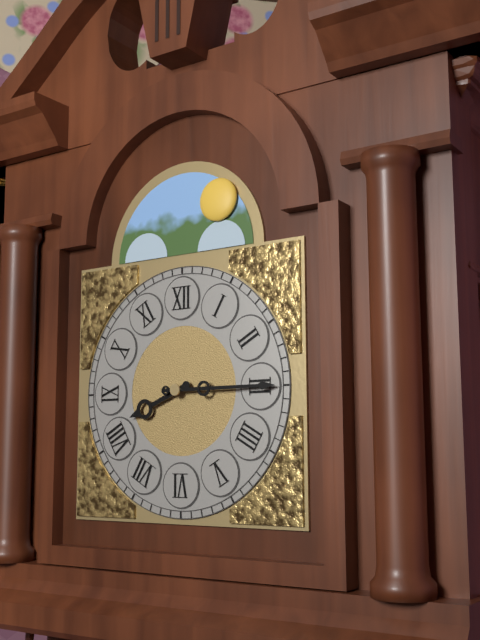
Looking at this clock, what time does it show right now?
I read 8:15
